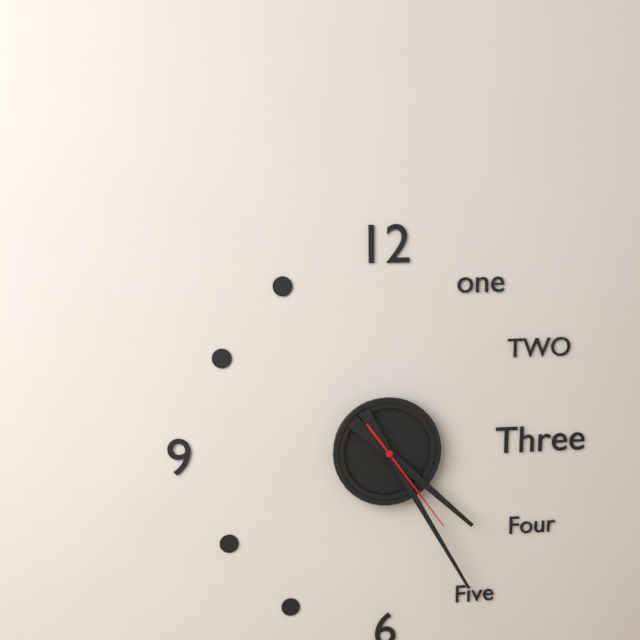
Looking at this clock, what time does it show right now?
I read 4:25:24
